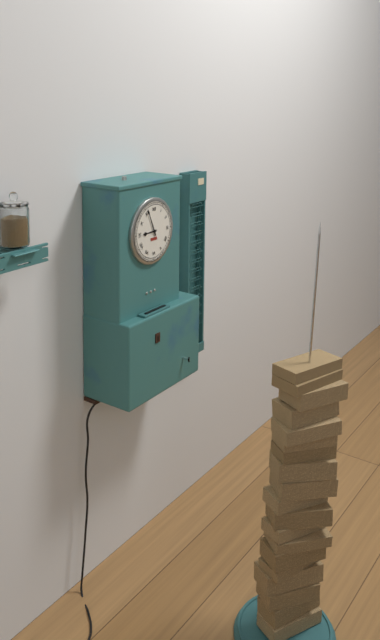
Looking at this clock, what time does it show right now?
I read 8:56
